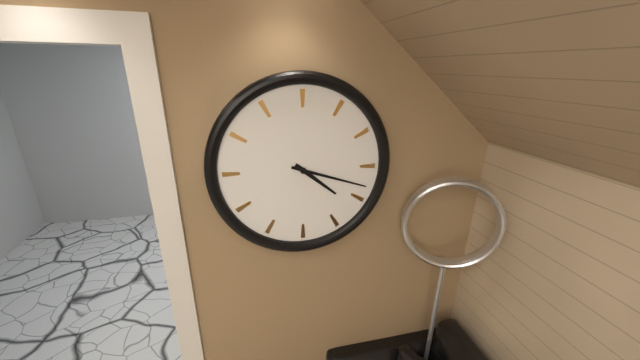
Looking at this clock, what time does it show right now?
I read 4:18
